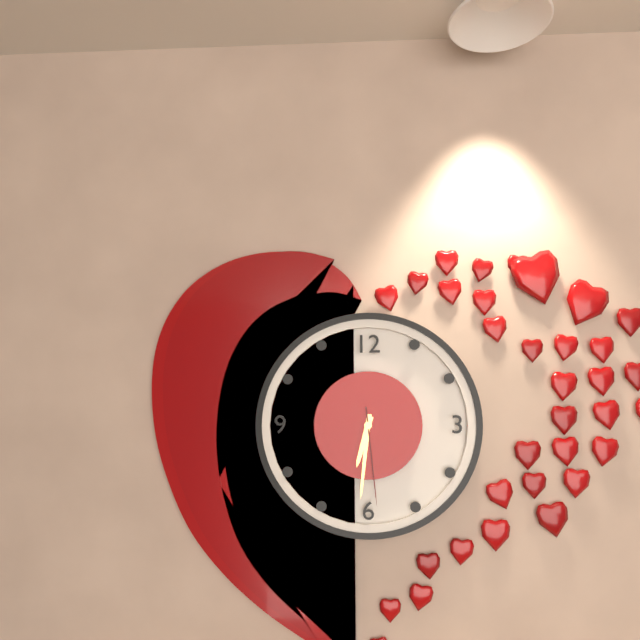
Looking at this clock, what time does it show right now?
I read 6:31:29
